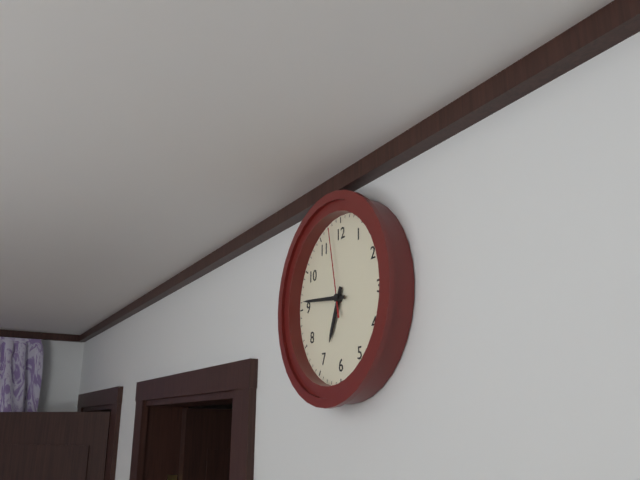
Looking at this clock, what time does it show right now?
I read 6:46:58
